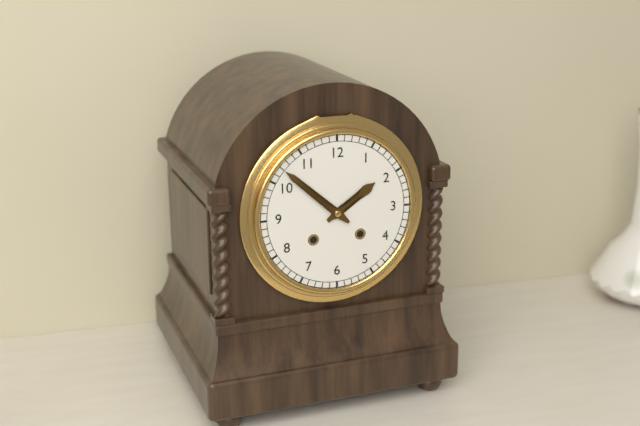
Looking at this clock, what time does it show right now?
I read 1:52
